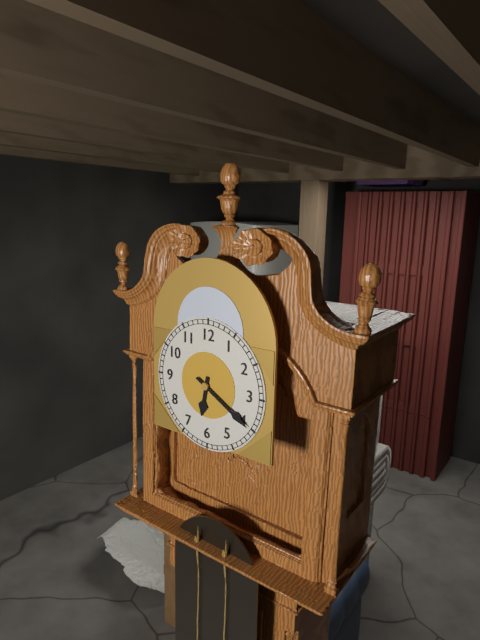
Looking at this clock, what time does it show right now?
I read 6:20
